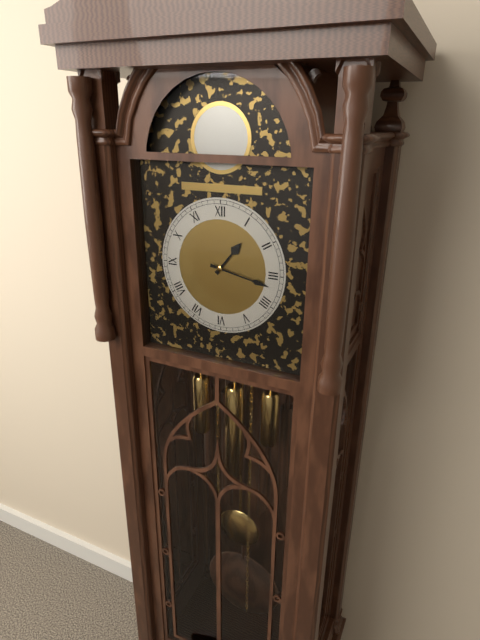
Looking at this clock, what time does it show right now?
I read 1:17
